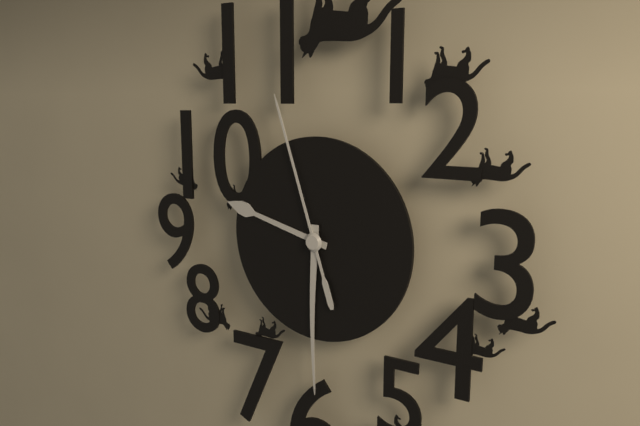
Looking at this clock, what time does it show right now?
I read 9:30:57
